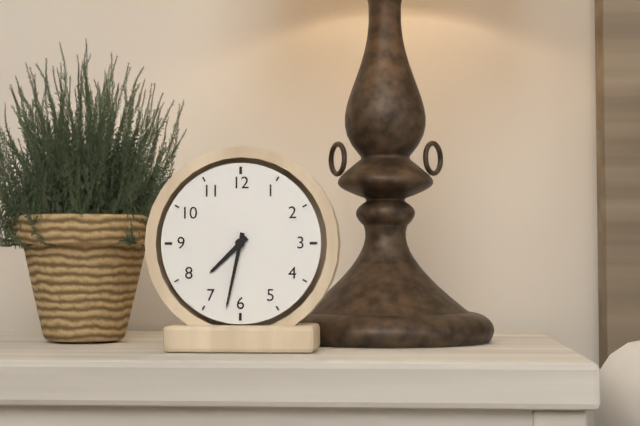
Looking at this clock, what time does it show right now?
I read 7:32
